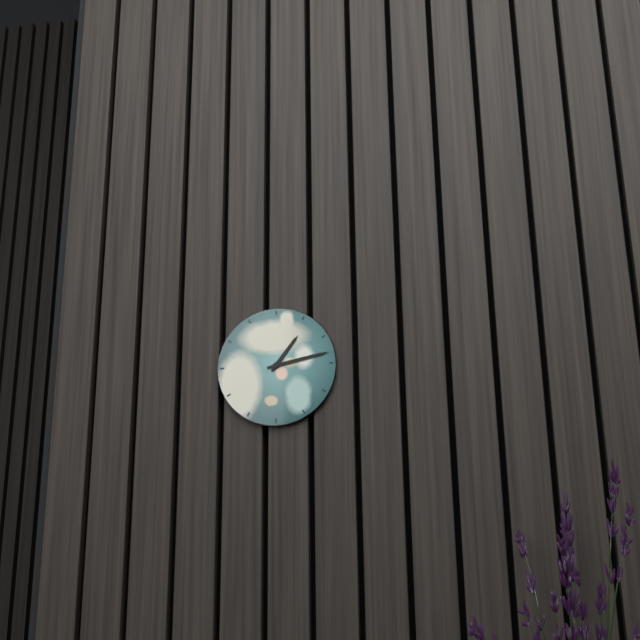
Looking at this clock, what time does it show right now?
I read 1:13
